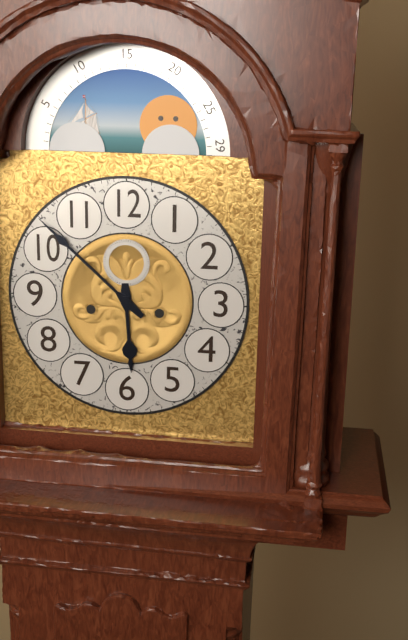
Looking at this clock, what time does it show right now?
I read 5:52
